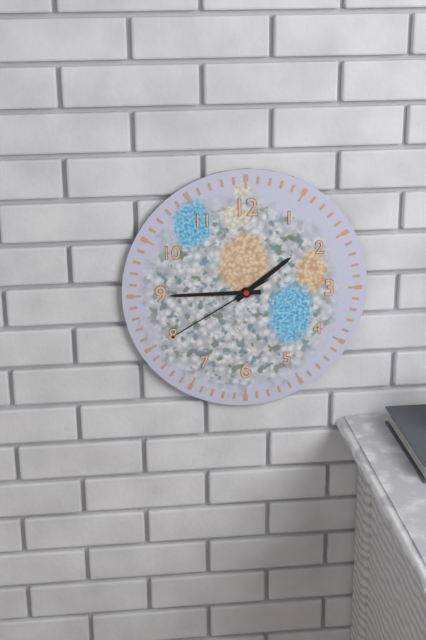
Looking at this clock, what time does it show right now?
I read 1:45:40
